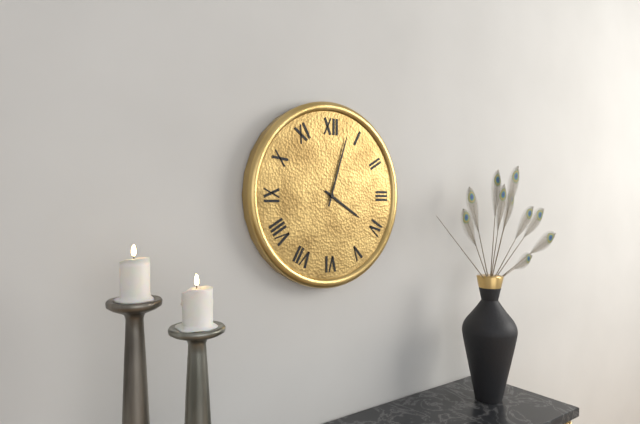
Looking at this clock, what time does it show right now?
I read 4:03
